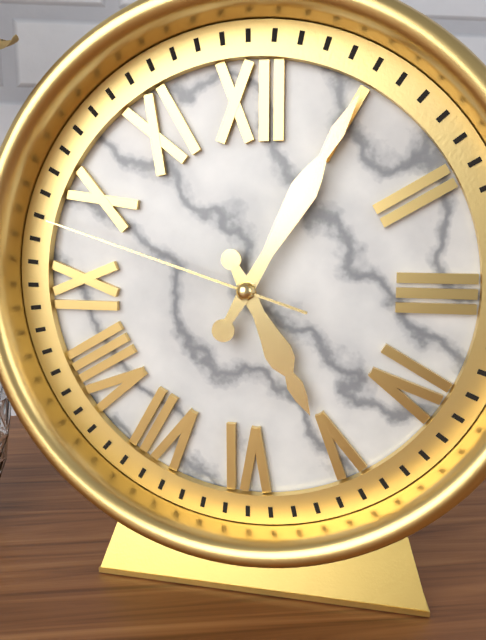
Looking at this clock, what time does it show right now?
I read 5:05:48
